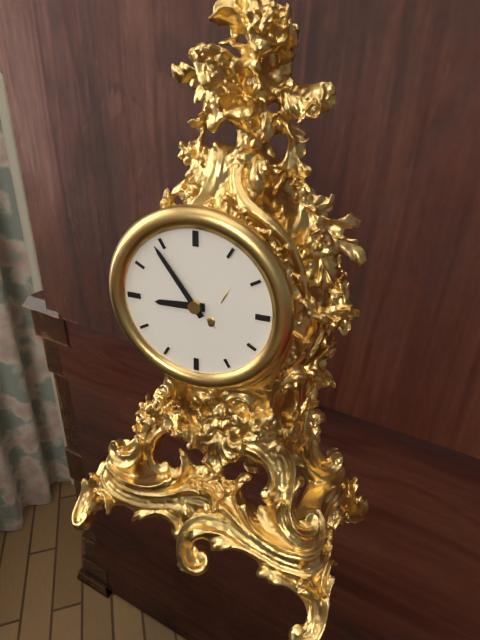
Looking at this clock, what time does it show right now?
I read 8:54
